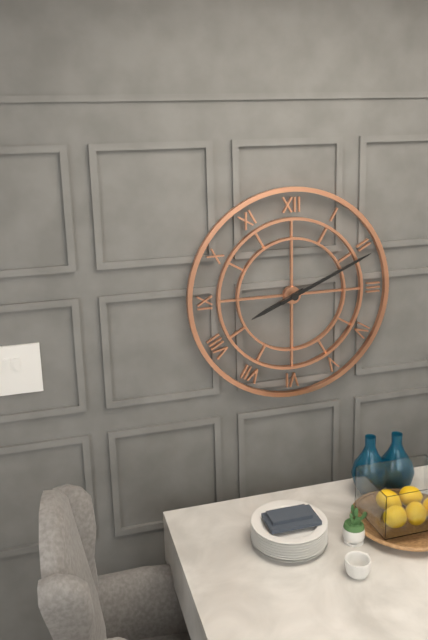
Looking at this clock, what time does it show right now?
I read 8:11
